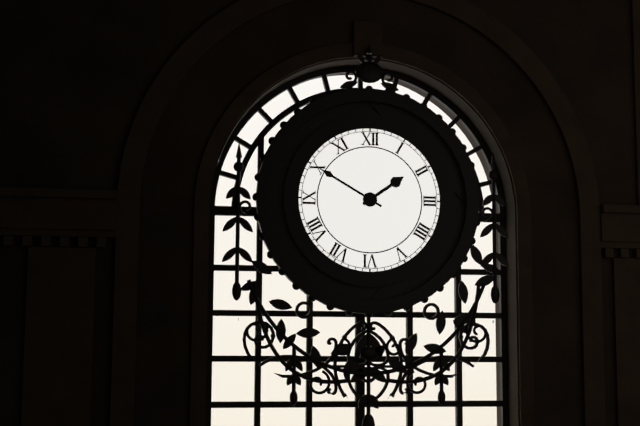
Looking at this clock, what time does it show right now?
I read 1:50
